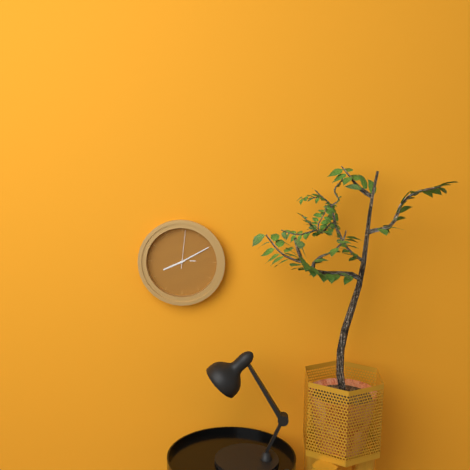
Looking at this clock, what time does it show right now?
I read 8:10
